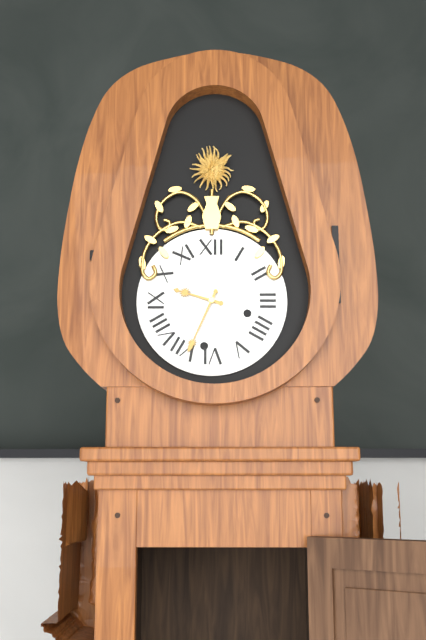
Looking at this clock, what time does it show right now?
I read 9:34
